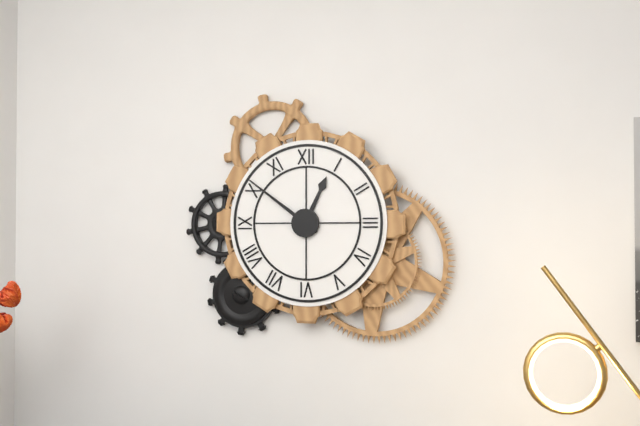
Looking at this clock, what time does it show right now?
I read 12:51
